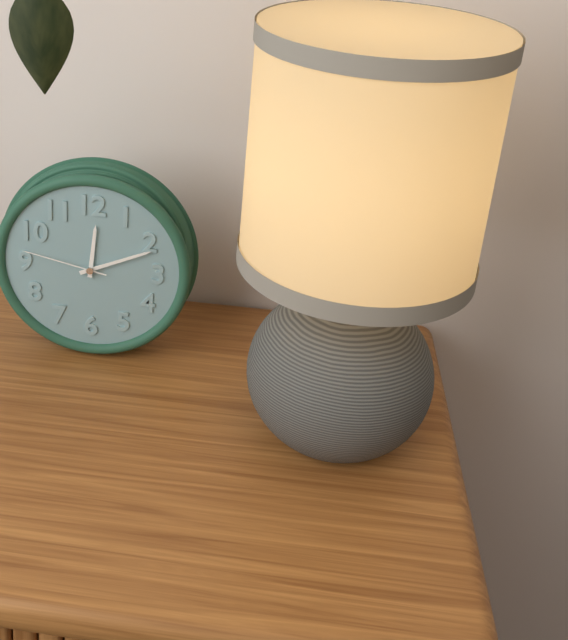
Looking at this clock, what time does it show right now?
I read 12:11:47
